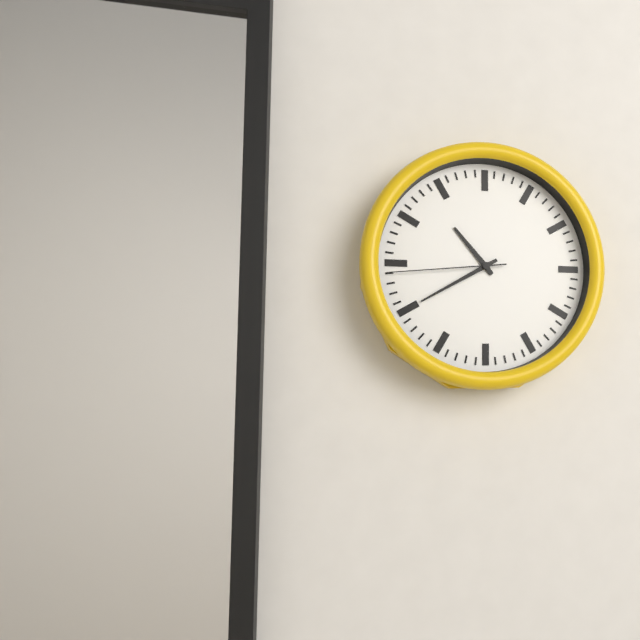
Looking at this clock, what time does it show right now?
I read 10:40:44
